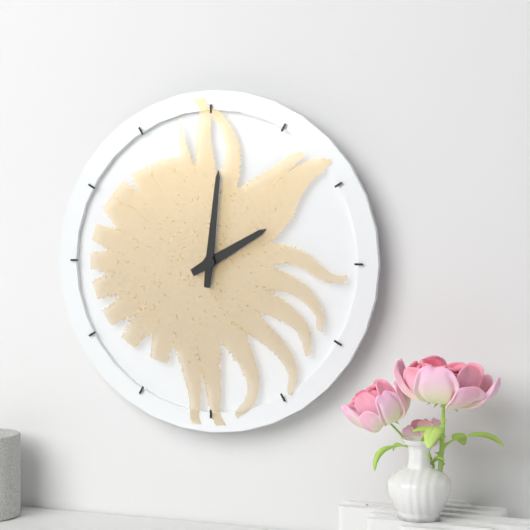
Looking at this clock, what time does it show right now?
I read 2:01
